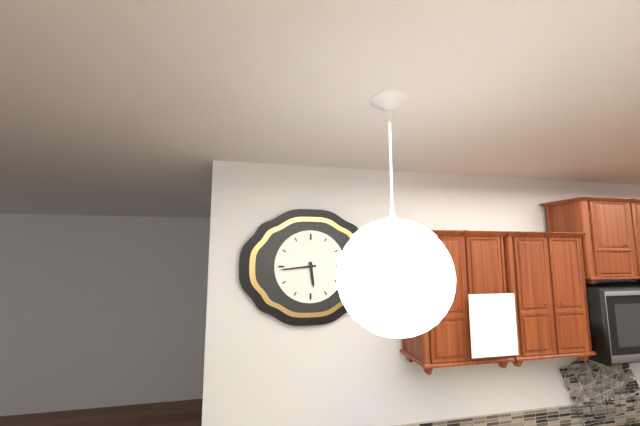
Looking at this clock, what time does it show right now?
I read 5:44
